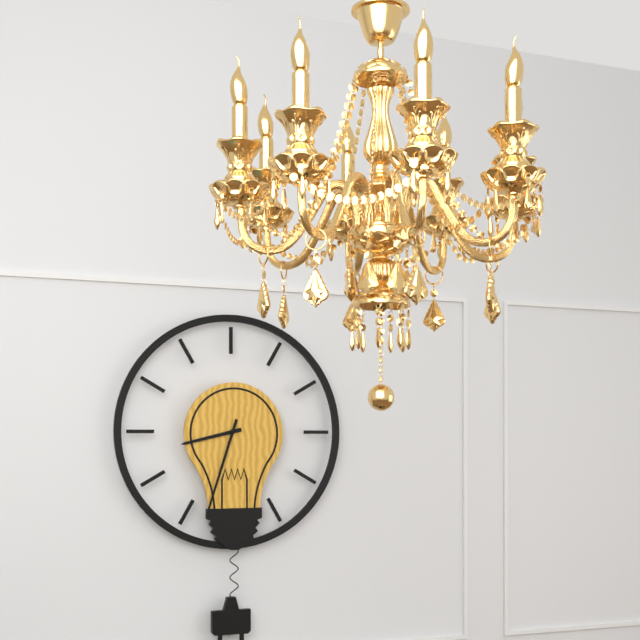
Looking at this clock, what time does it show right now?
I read 8:33
